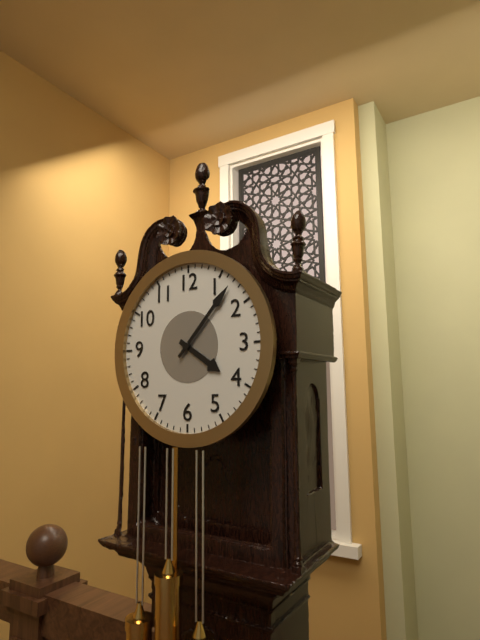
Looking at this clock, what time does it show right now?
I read 4:07
